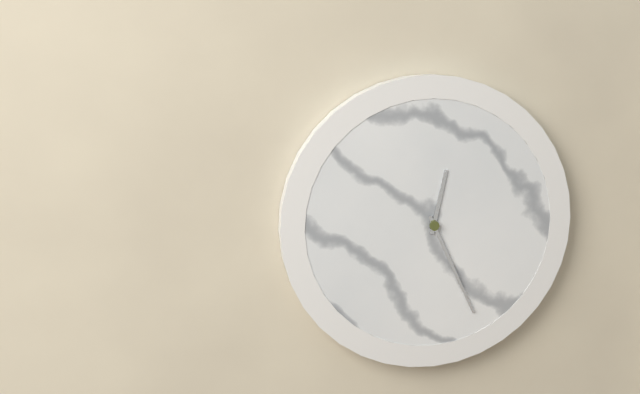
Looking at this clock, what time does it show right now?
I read 12:26
